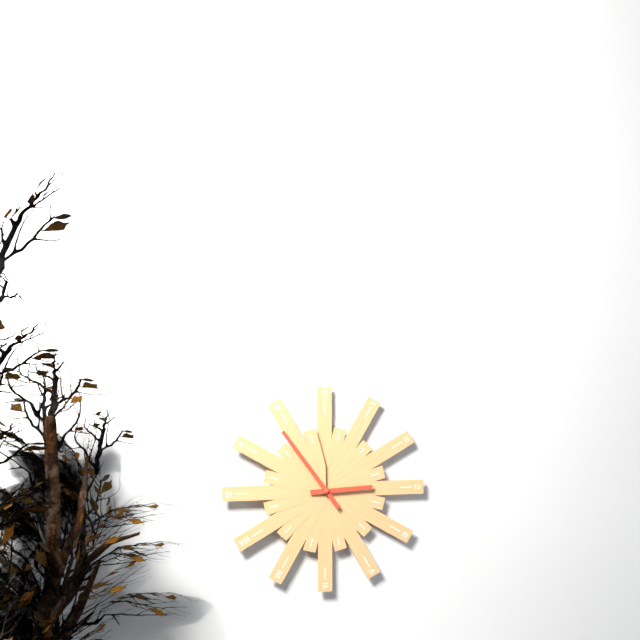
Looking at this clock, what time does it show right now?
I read 2:54
